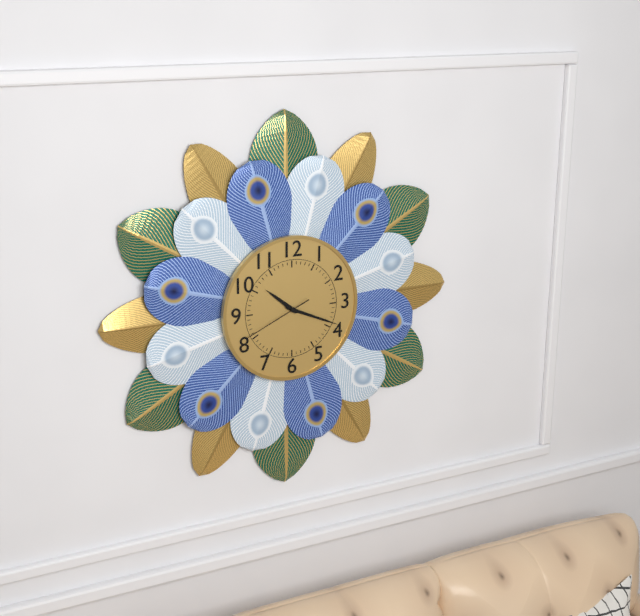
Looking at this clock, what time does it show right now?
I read 10:19:41
